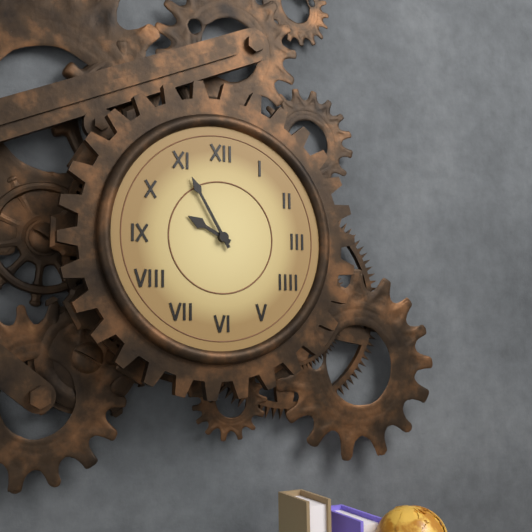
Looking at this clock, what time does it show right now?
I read 9:55
